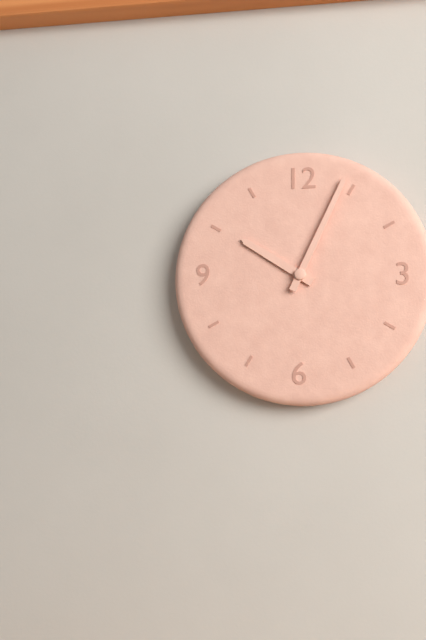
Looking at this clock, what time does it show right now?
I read 10:04
